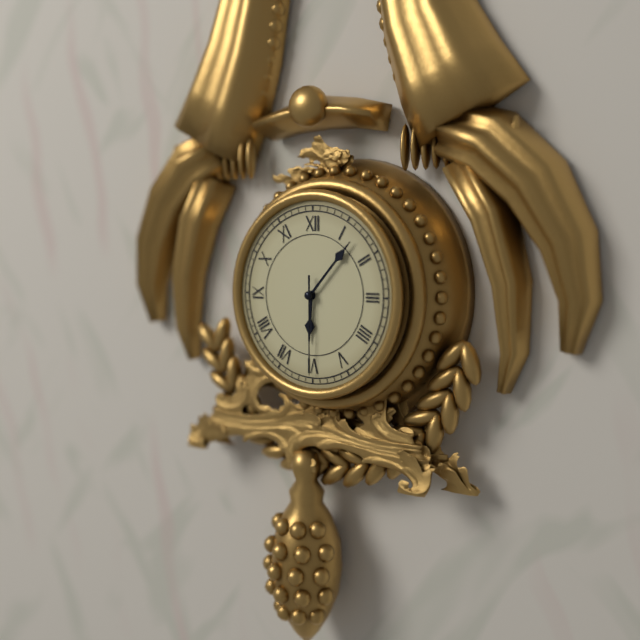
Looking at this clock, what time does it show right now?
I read 6:07:30
